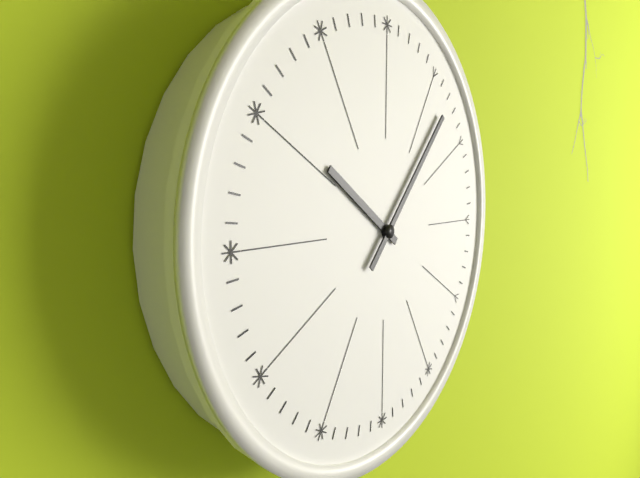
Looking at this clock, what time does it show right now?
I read 10:07
